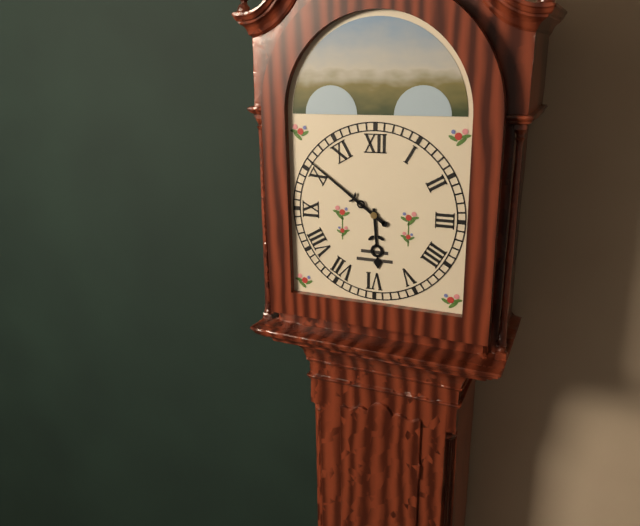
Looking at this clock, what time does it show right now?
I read 5:51
